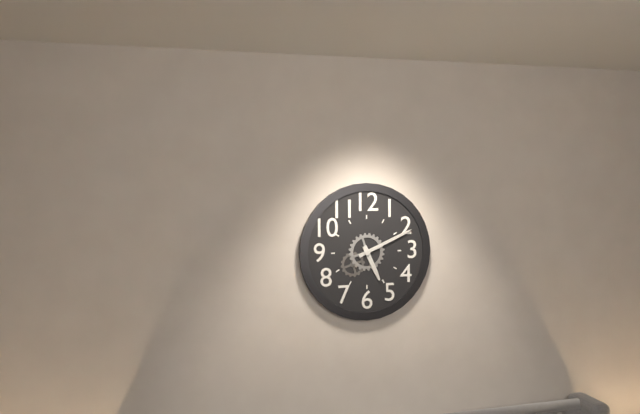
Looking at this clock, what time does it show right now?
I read 5:11
